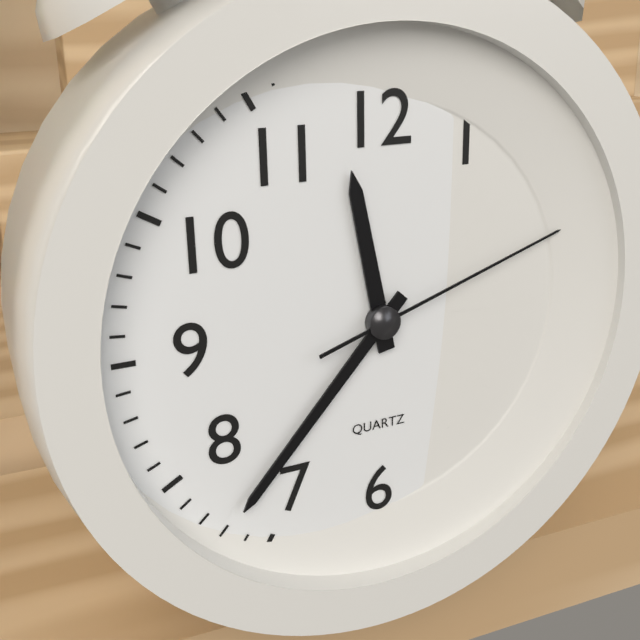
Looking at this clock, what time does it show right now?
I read 11:37:12
